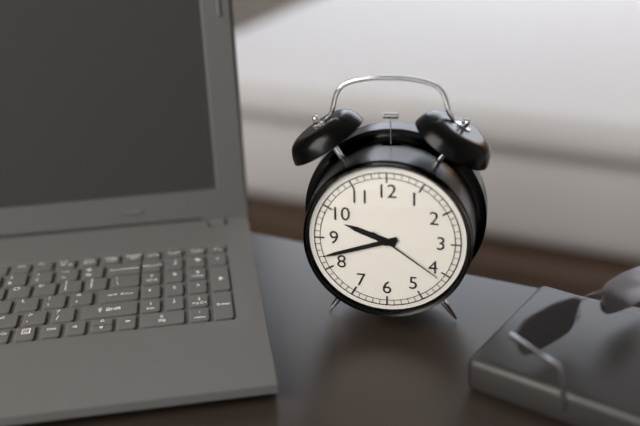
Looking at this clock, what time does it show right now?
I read 9:42:21
